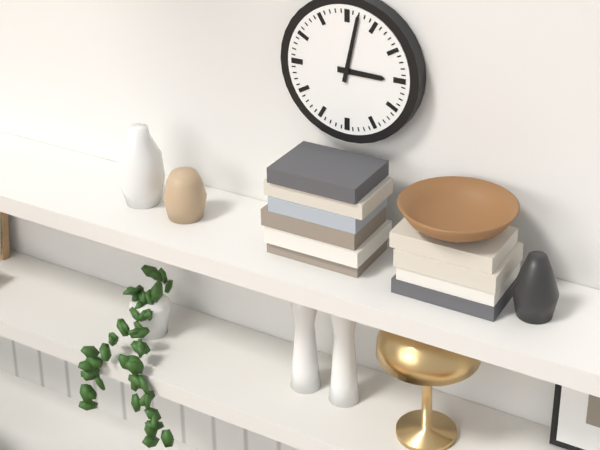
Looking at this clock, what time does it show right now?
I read 3:02
